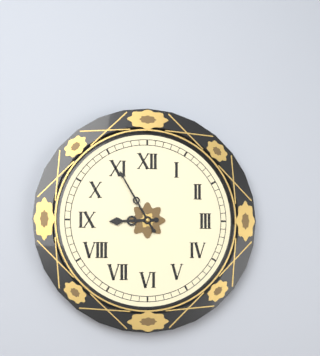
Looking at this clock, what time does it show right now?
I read 8:55
